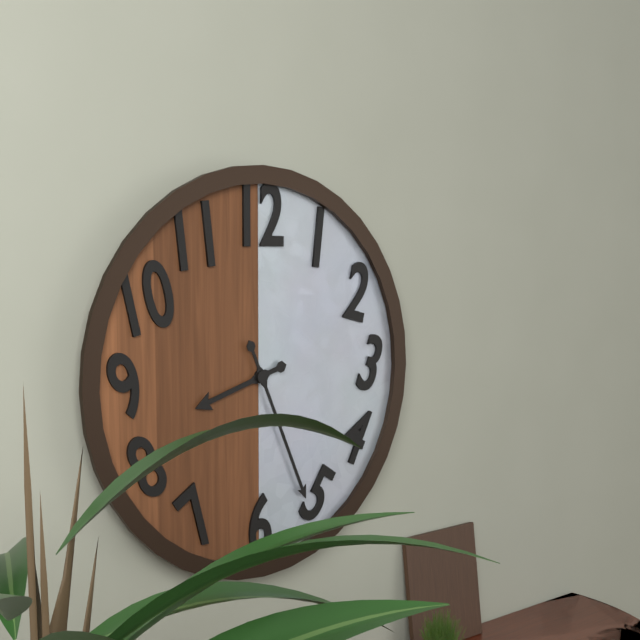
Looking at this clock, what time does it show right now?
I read 8:26
